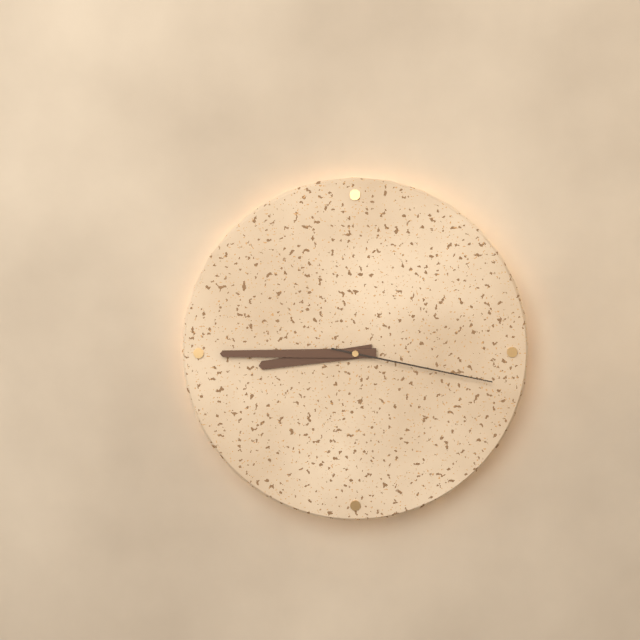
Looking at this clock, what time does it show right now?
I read 8:45:17
